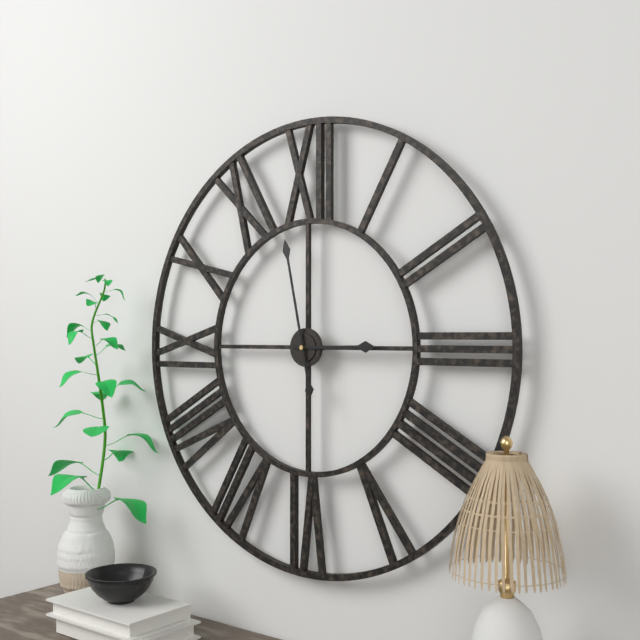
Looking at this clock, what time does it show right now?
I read 2:58
